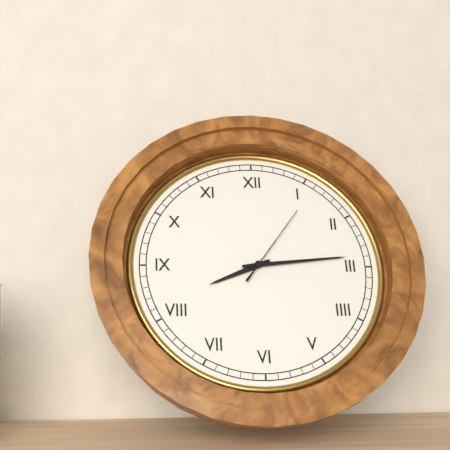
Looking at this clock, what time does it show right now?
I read 8:14:06
